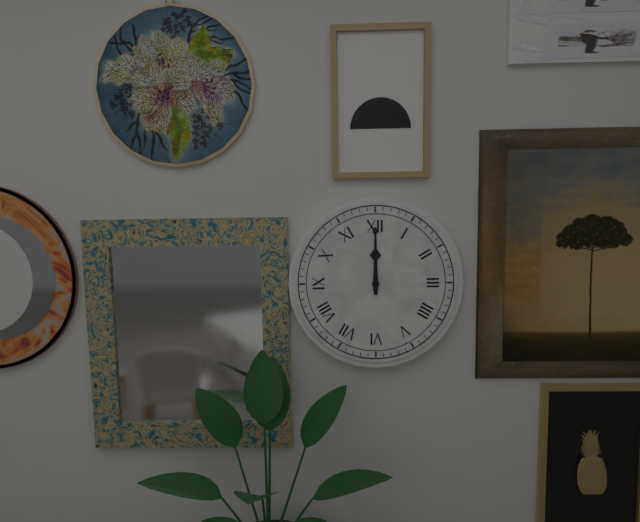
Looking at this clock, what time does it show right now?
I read 12:00
